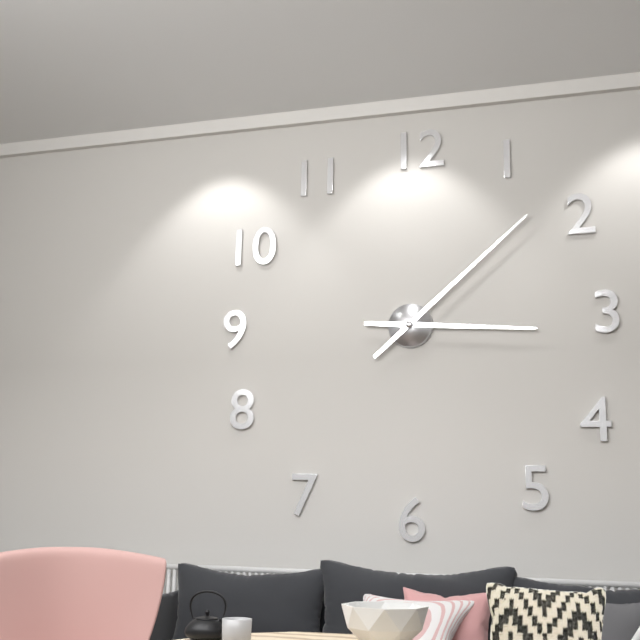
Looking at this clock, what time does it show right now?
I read 3:08
